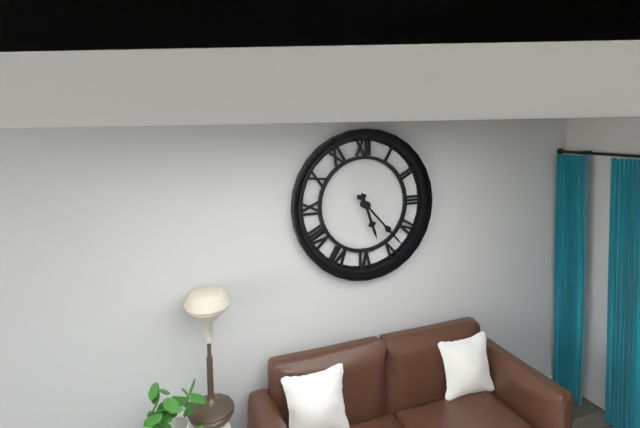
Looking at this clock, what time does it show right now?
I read 5:23
